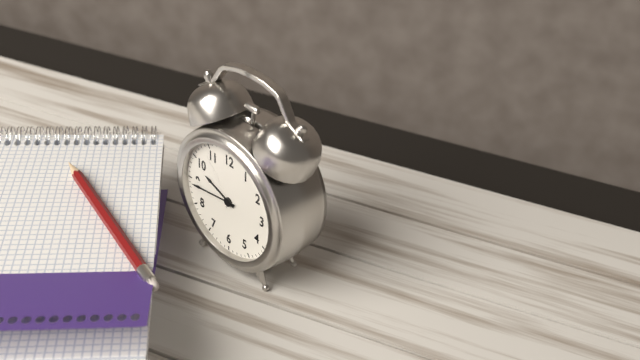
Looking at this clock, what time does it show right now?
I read 9:44
